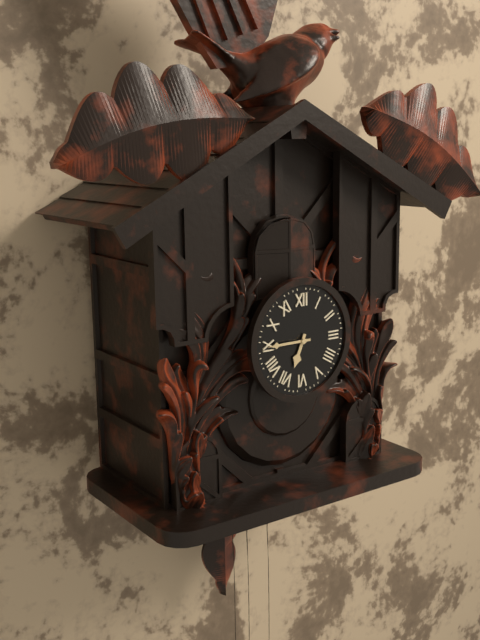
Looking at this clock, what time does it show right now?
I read 6:45
